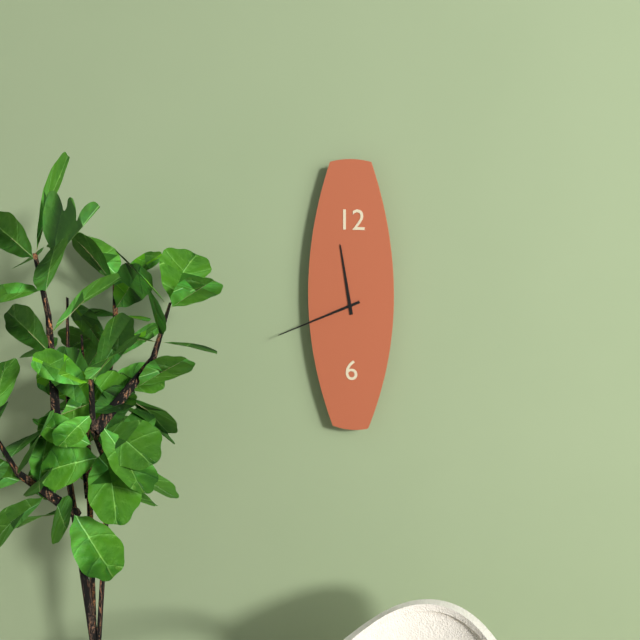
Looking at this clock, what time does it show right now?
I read 11:41
